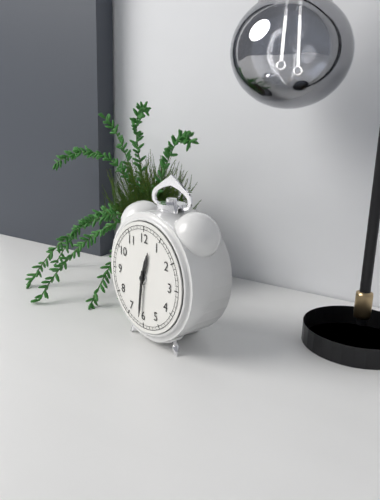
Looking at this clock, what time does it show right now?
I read 12:31
